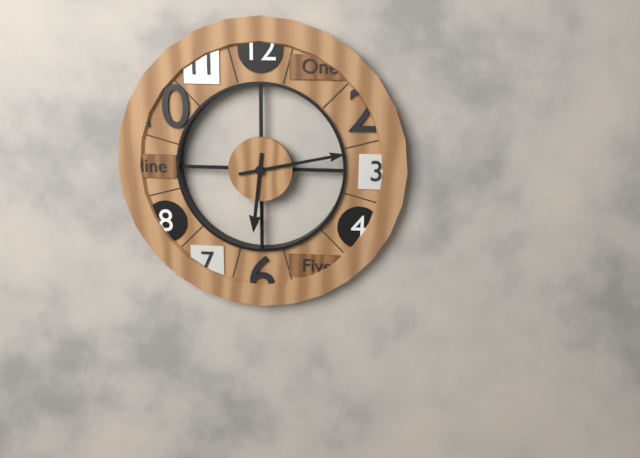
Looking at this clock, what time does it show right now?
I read 6:13
